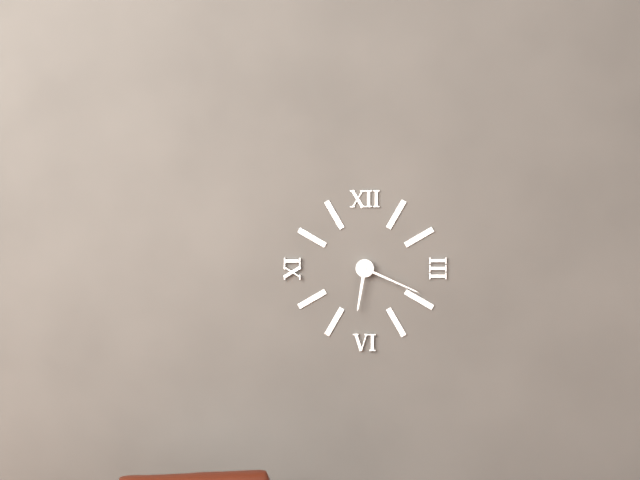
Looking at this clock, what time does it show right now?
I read 6:19
